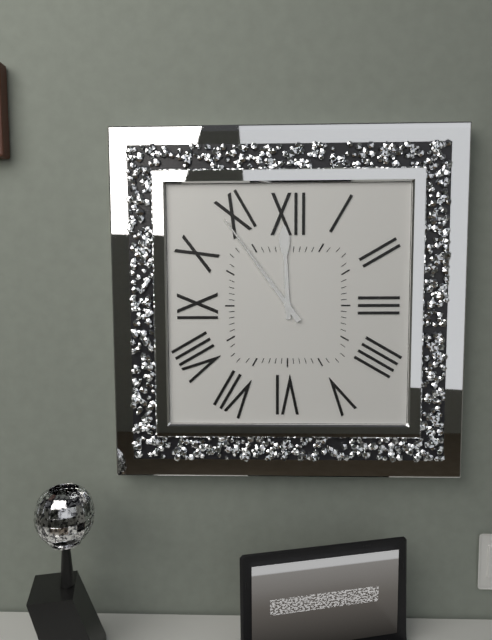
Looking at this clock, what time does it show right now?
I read 11:54
